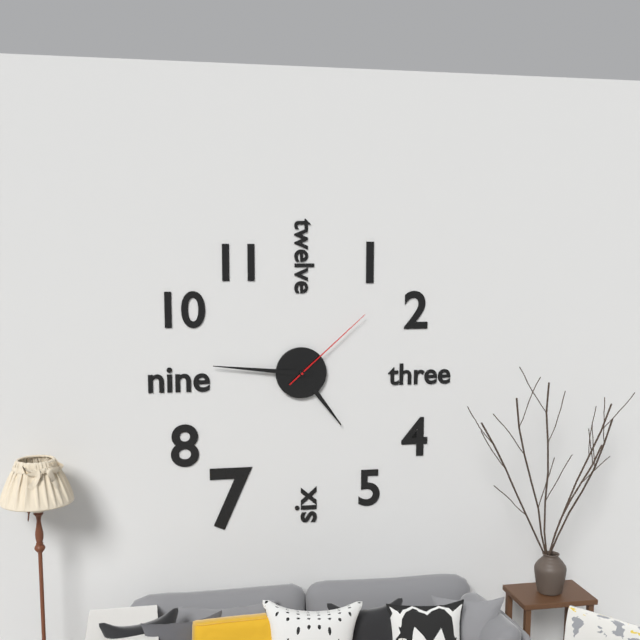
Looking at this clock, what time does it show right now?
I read 4:46:08
